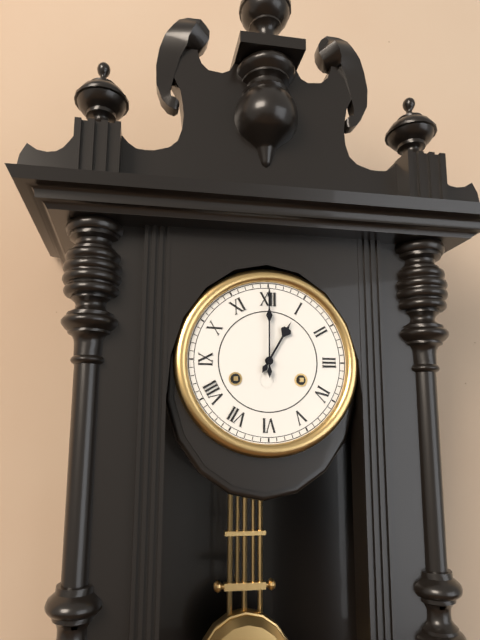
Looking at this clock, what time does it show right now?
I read 1:00
